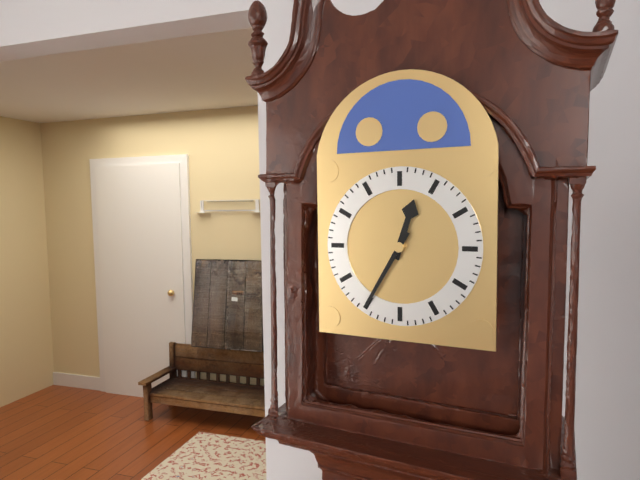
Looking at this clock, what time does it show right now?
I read 12:35
